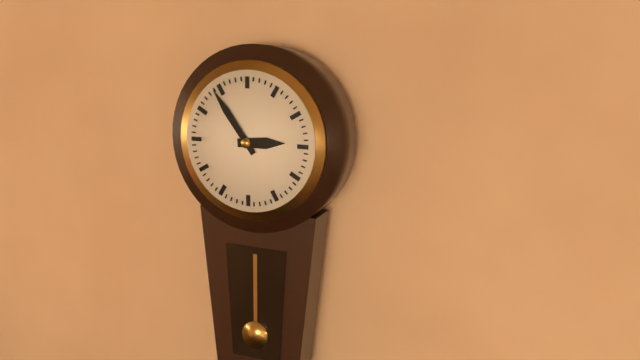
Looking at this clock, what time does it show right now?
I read 2:54
